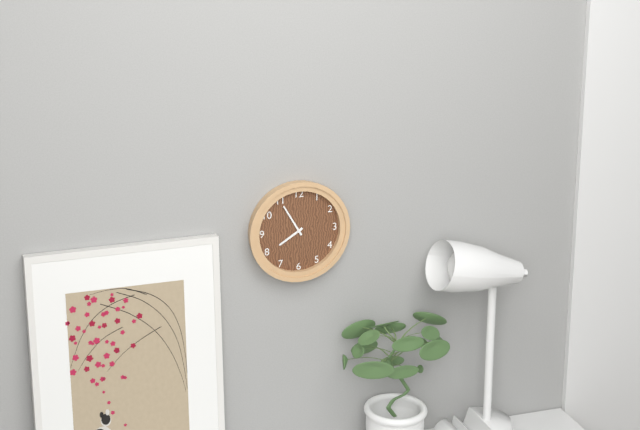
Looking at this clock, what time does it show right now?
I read 7:55
